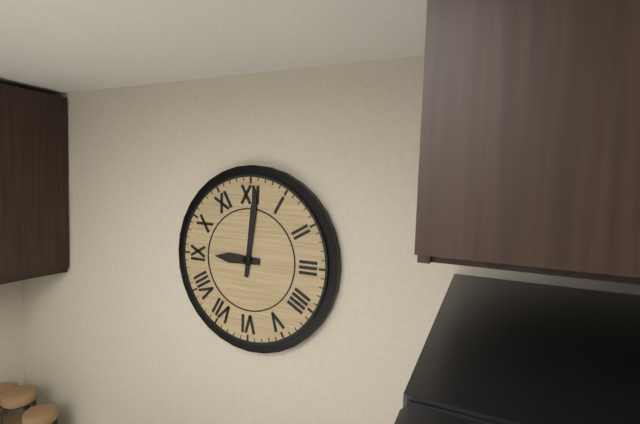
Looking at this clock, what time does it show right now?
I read 9:01
